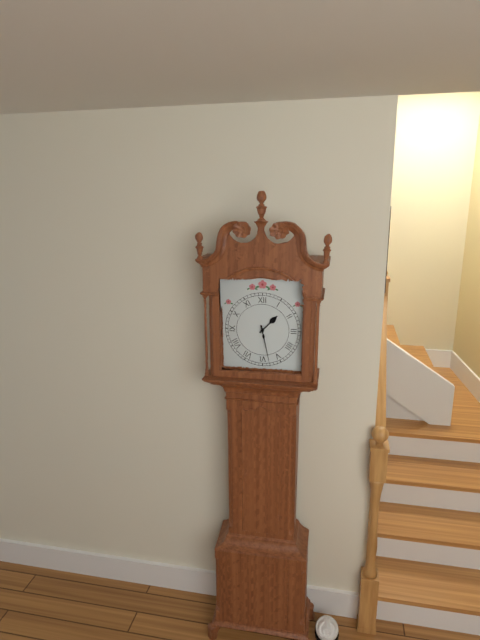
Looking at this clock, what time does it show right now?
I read 1:28
